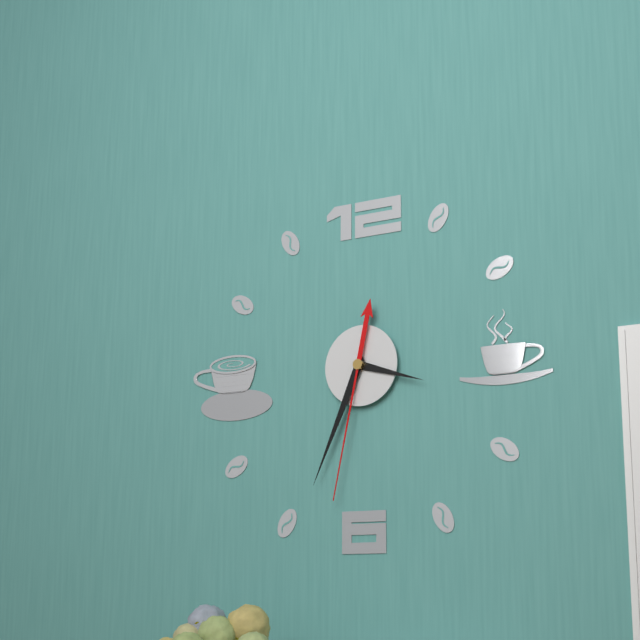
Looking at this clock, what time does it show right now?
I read 3:34:32
